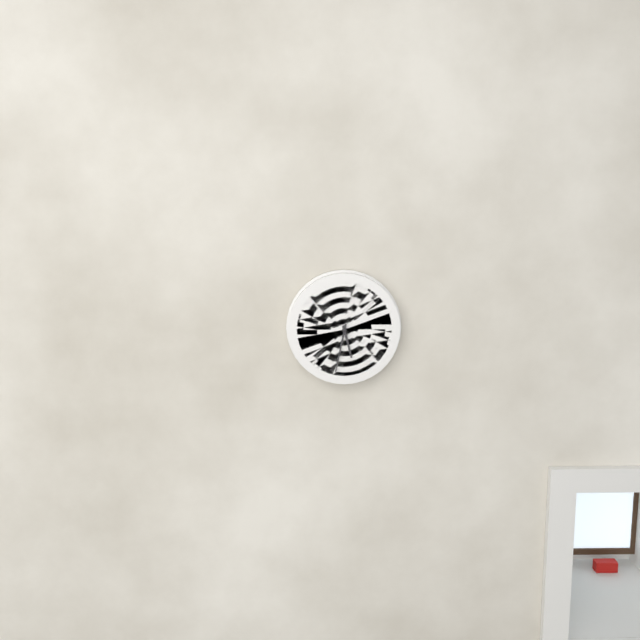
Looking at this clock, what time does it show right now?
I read 5:32
